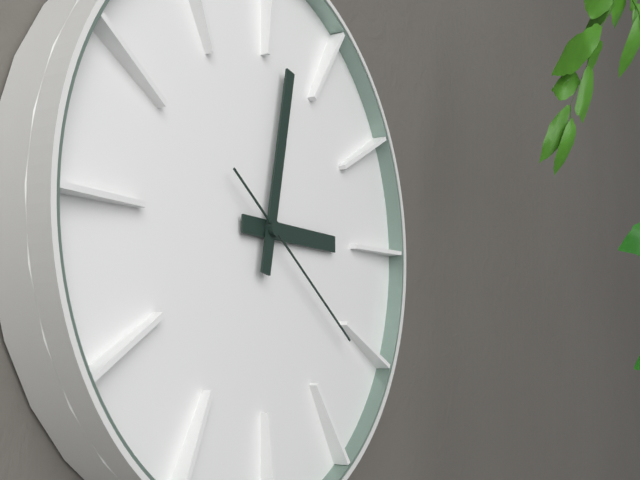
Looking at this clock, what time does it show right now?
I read 3:02:21
